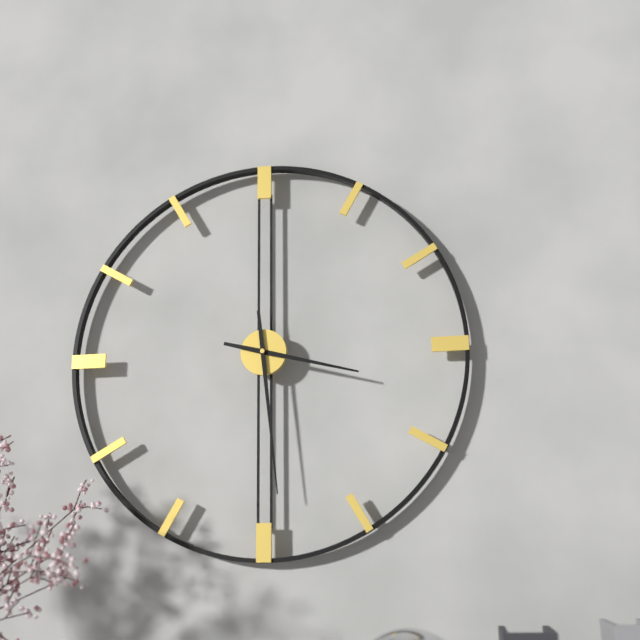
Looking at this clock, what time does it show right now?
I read 3:29
